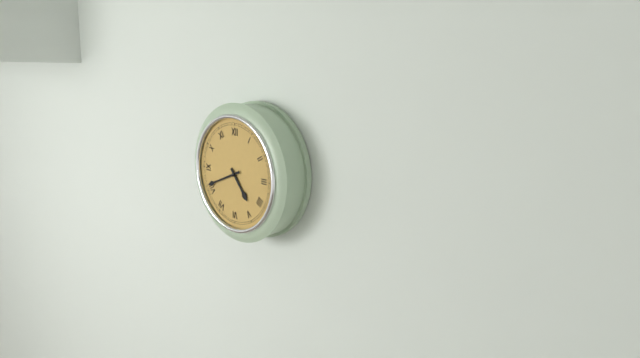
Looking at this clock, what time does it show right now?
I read 4:41
